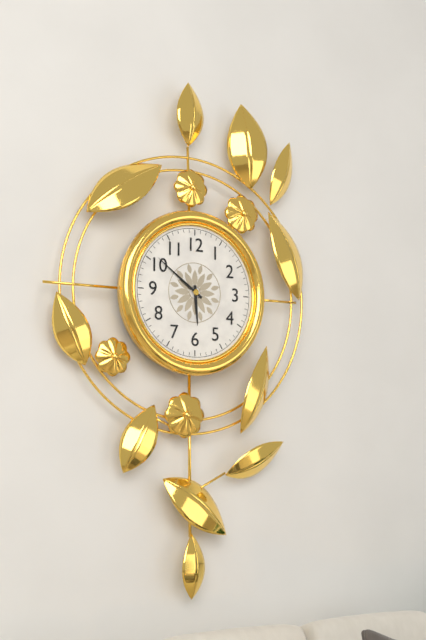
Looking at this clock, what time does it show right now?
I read 5:51
